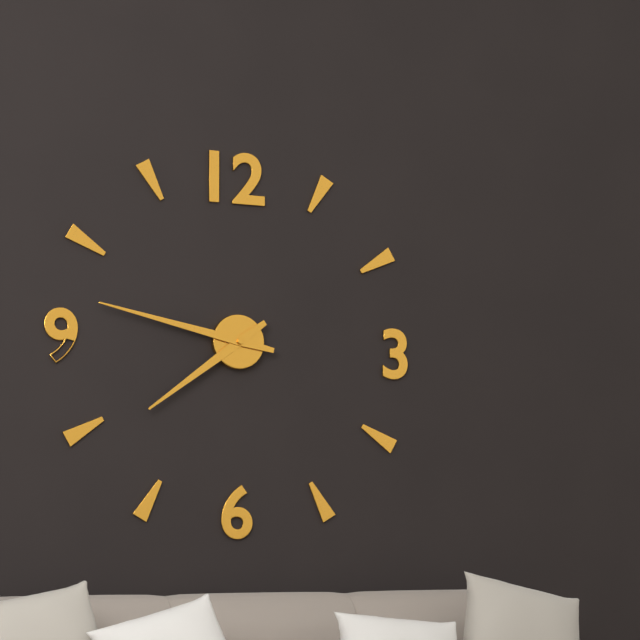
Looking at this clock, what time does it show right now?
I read 7:47
